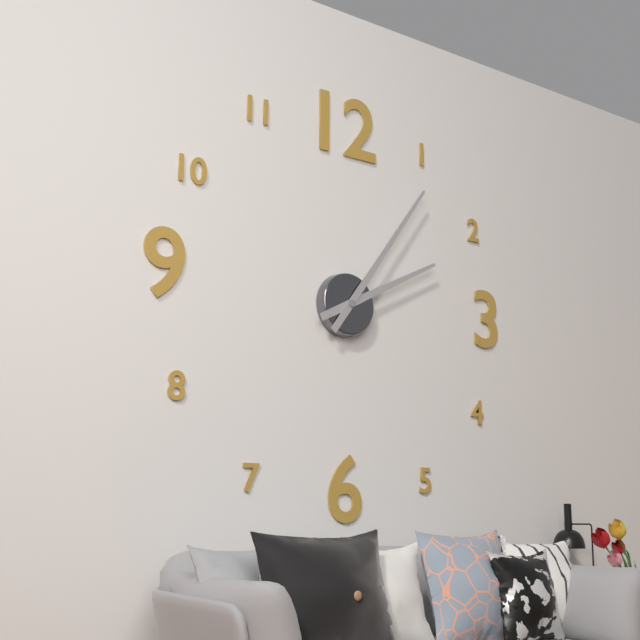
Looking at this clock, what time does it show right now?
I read 2:06
